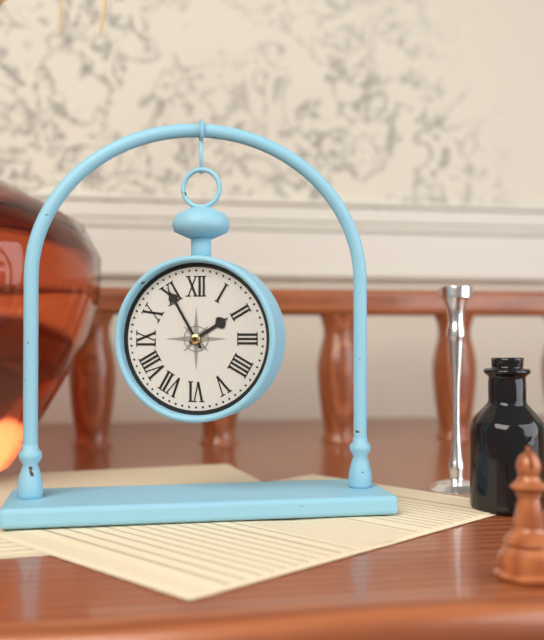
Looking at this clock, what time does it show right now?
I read 1:55
